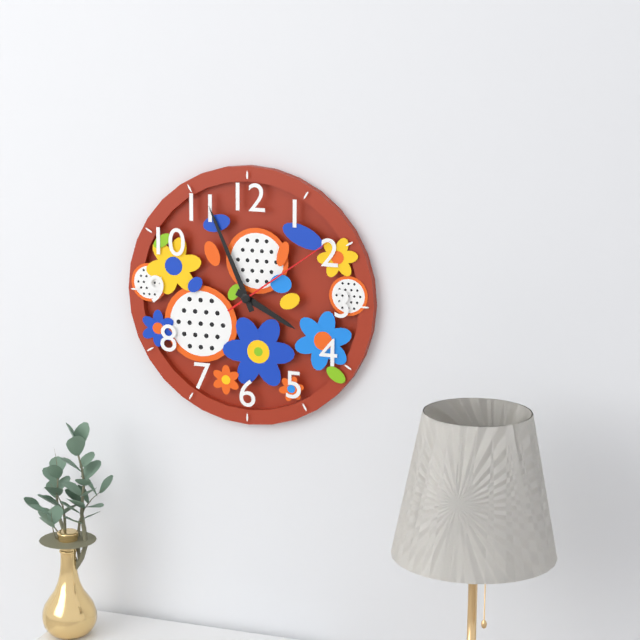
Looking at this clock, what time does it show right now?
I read 3:56:09
